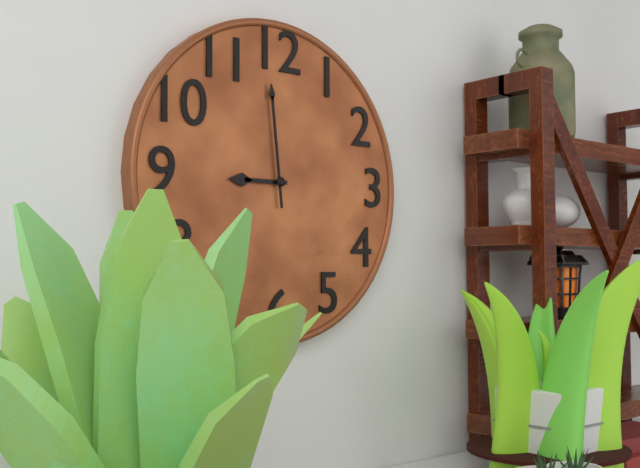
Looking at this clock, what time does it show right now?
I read 8:59
